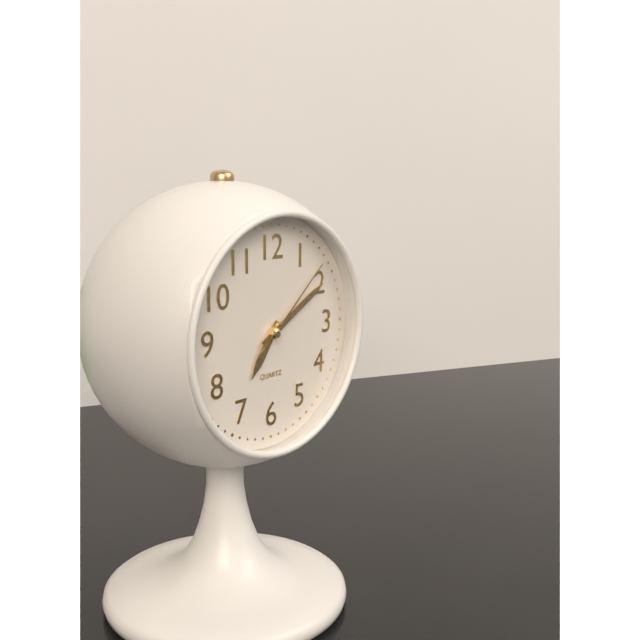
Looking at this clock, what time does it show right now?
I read 7:10:08
